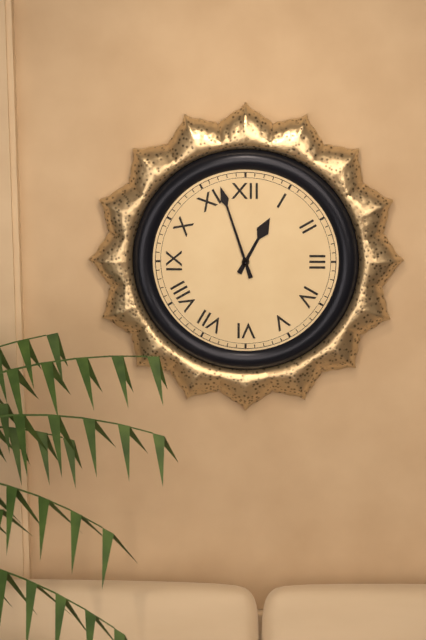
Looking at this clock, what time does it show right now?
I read 12:57
